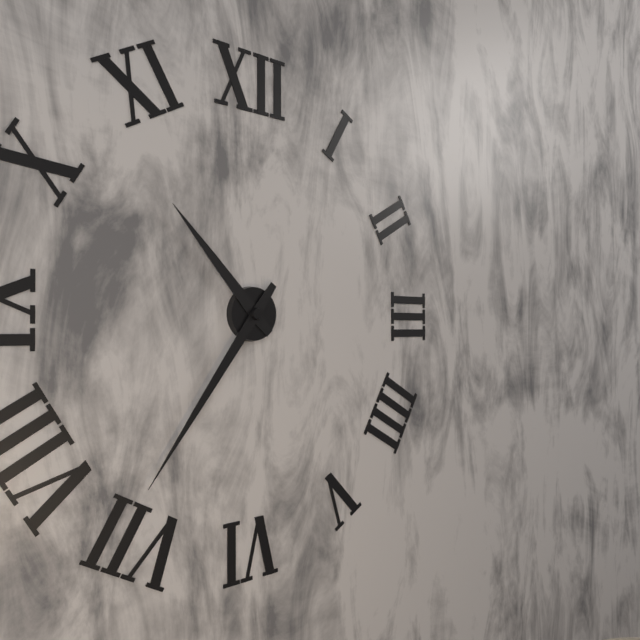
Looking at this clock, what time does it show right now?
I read 10:36
